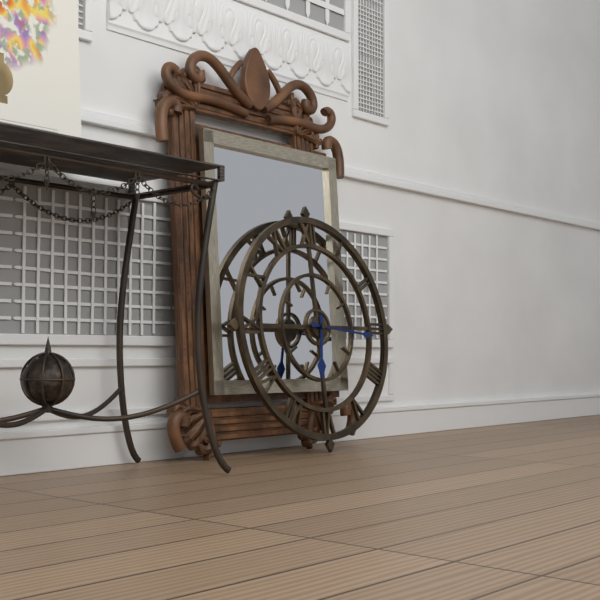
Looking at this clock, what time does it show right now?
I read 6:16
